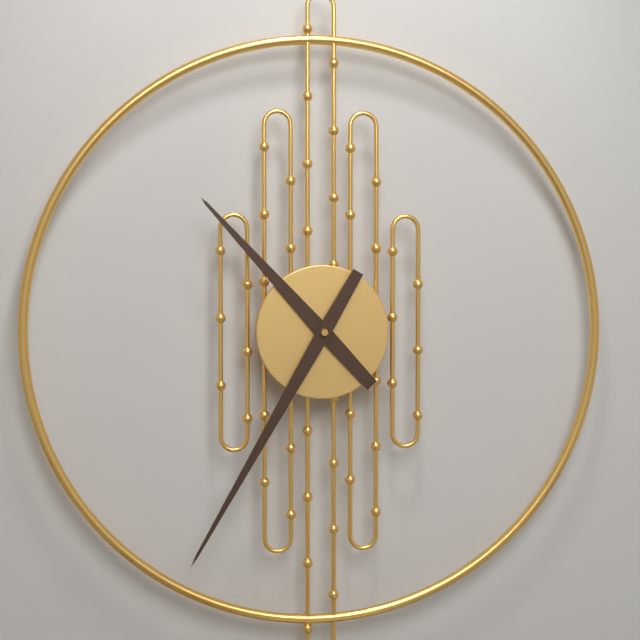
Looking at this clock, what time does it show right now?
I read 10:35
